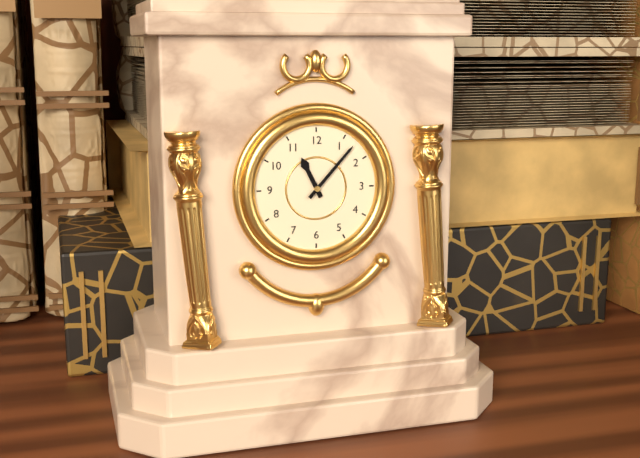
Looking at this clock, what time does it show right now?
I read 11:07
